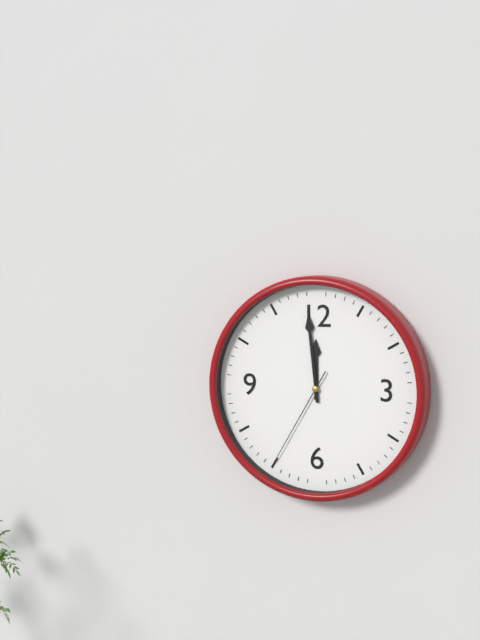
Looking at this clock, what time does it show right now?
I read 11:59:35
